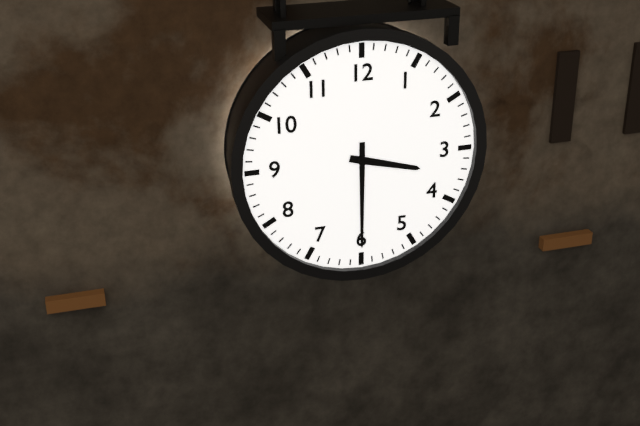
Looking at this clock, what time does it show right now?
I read 3:30
